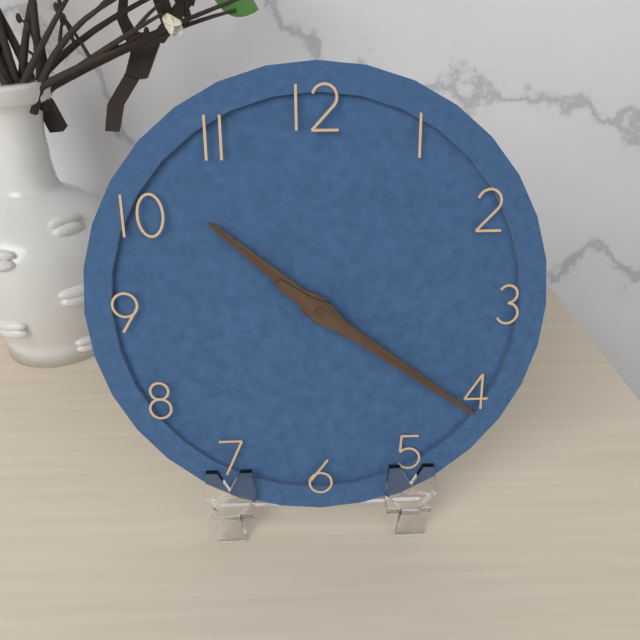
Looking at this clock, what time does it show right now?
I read 10:21
